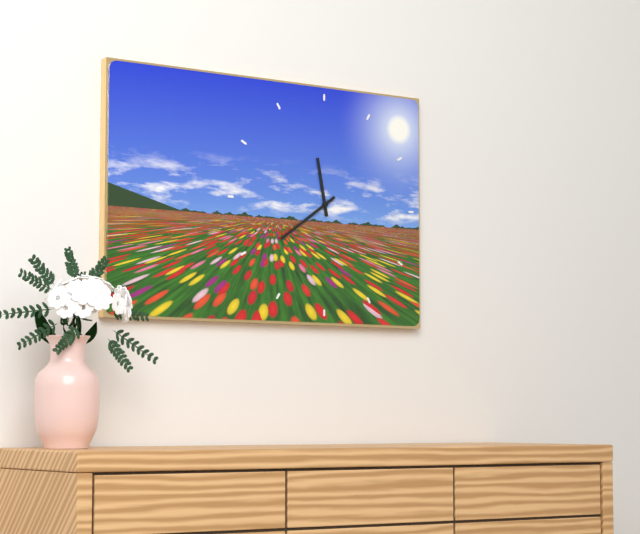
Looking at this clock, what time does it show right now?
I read 11:39
